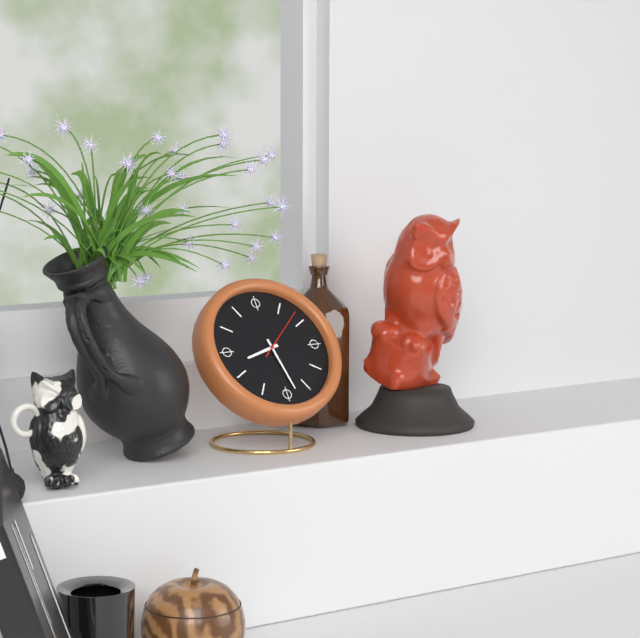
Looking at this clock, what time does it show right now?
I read 8:28:08
